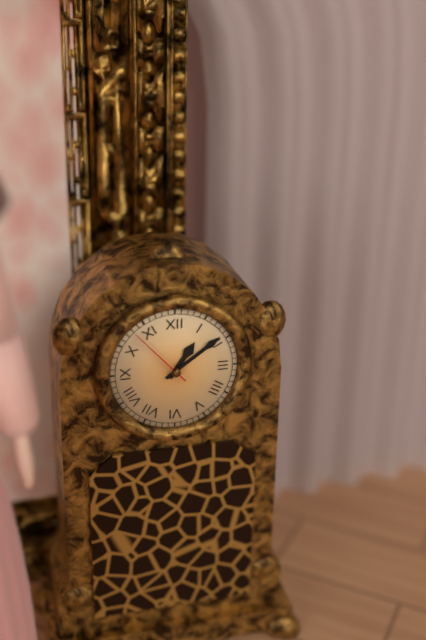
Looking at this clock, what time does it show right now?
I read 1:09:53
